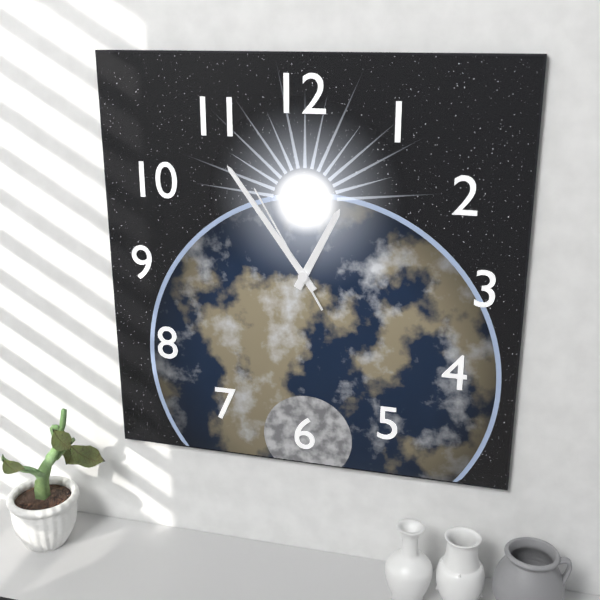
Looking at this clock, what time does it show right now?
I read 12:54:55
